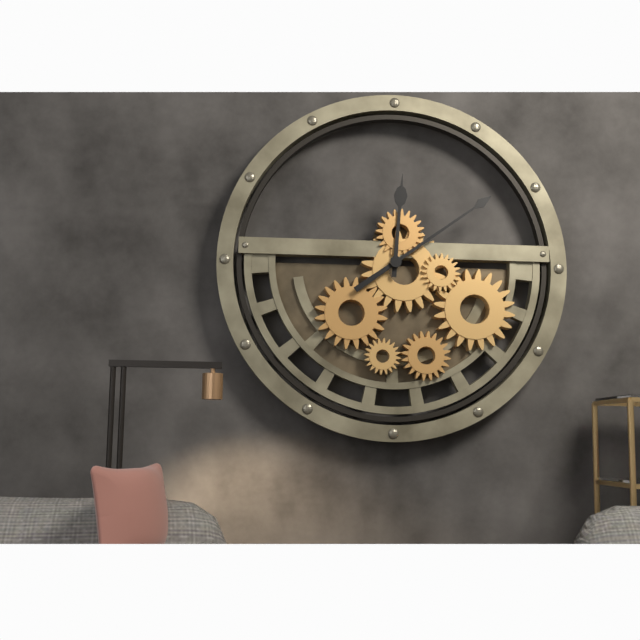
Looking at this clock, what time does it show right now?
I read 12:09
